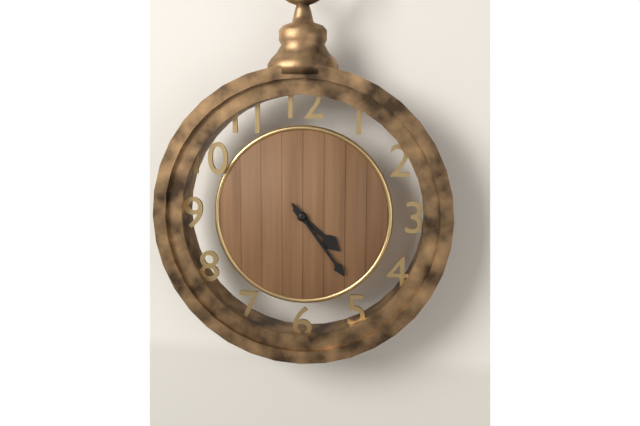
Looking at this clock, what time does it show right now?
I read 4:24
